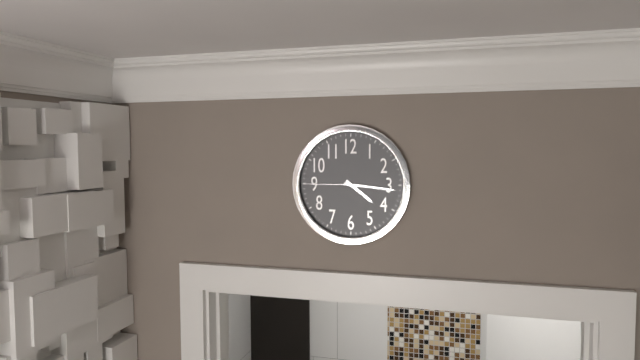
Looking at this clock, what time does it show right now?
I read 4:16:45
